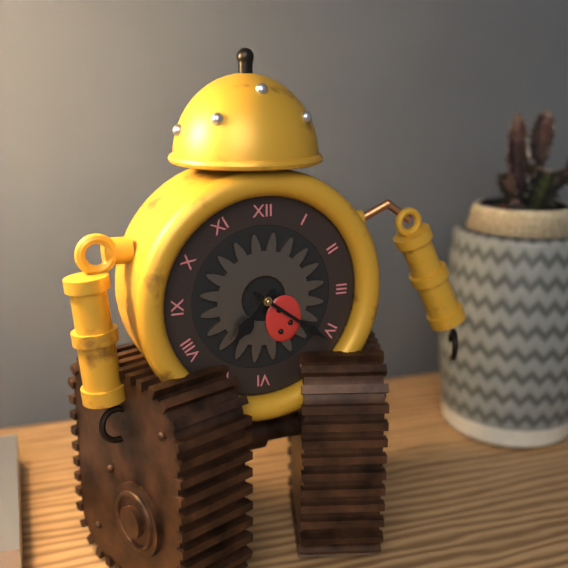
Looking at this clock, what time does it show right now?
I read 7:21
